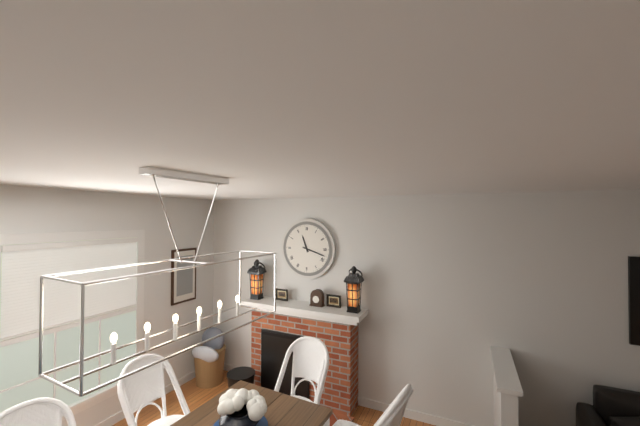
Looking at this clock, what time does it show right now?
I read 11:18
